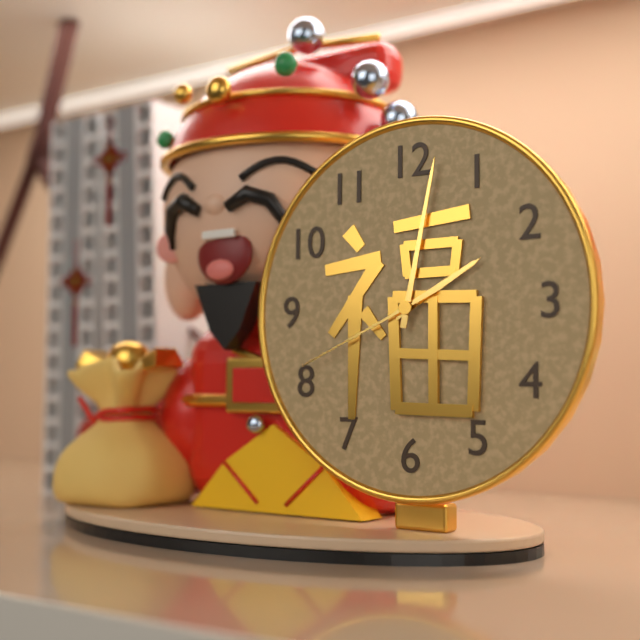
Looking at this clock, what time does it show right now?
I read 2:02:41
